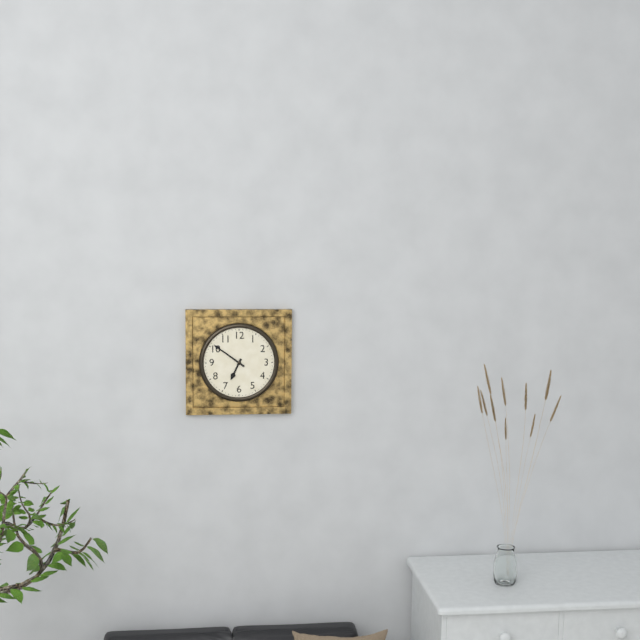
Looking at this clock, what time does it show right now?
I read 6:51
